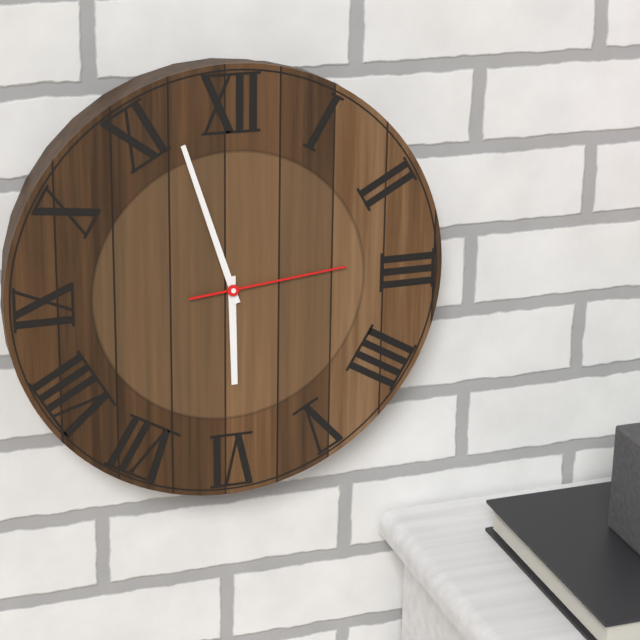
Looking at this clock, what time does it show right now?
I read 5:57:14
